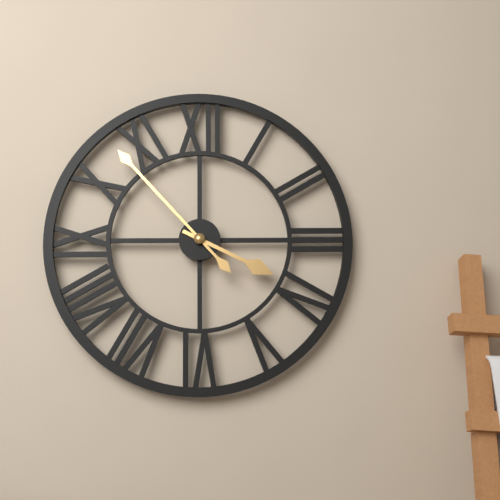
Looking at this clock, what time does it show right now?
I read 3:53
